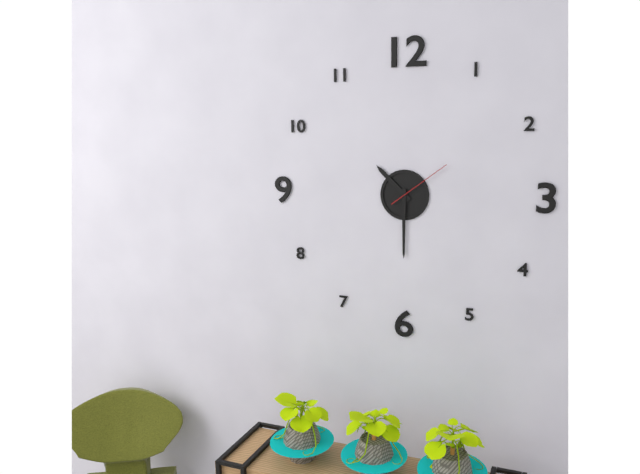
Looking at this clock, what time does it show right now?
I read 10:30:09
